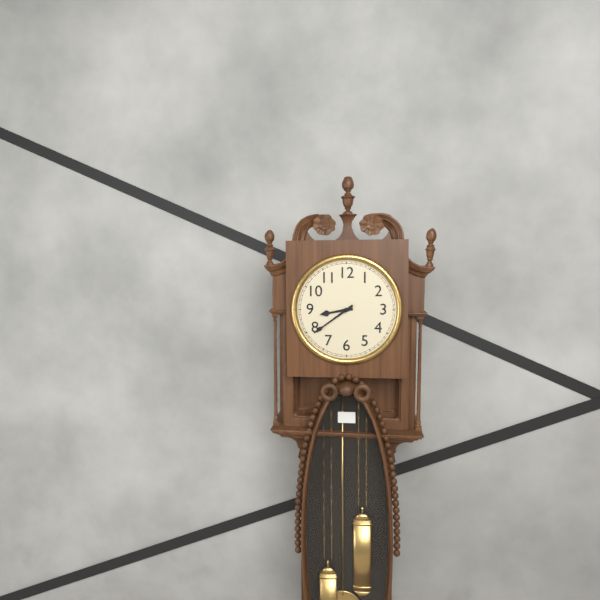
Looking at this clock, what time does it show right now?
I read 8:39
